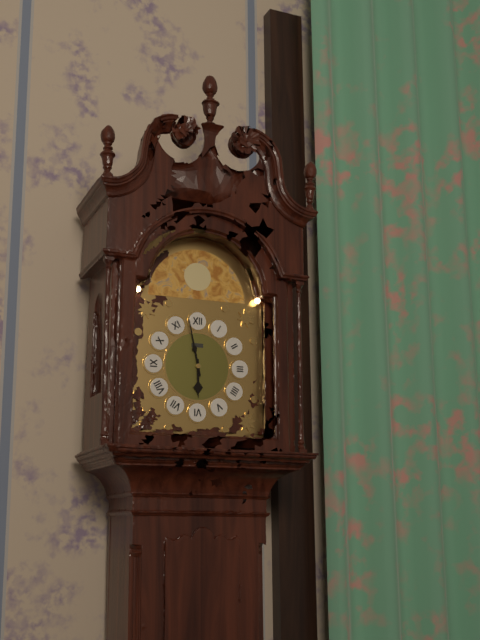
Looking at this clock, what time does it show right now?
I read 5:58
